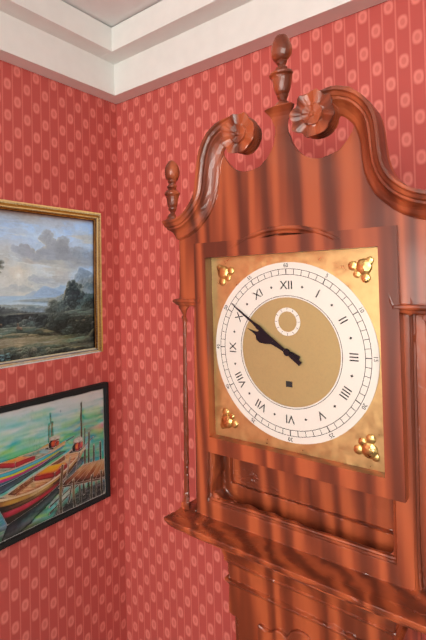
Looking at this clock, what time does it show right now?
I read 9:51
